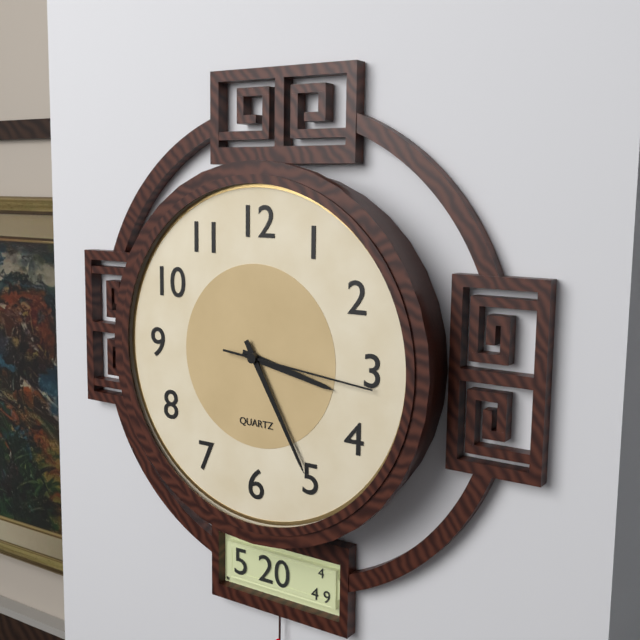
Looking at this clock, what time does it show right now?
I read 3:25:16
